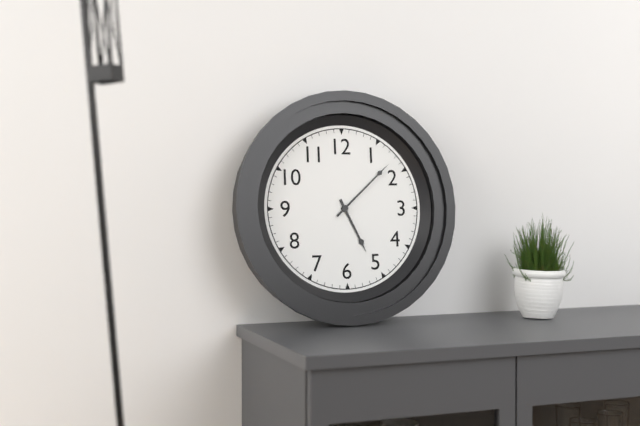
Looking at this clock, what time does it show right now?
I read 5:08
